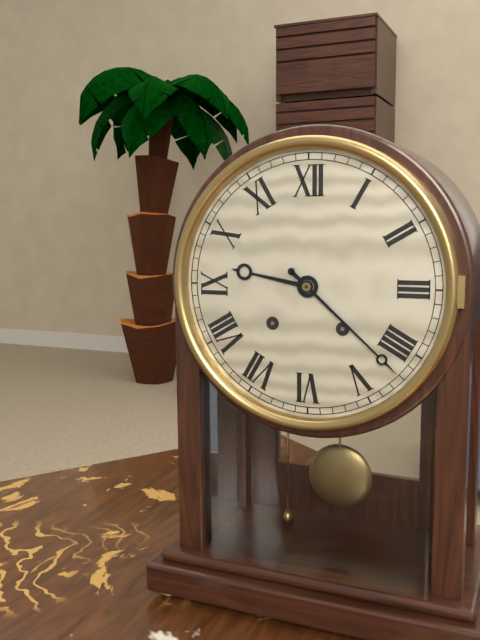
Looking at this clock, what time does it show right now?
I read 9:22
